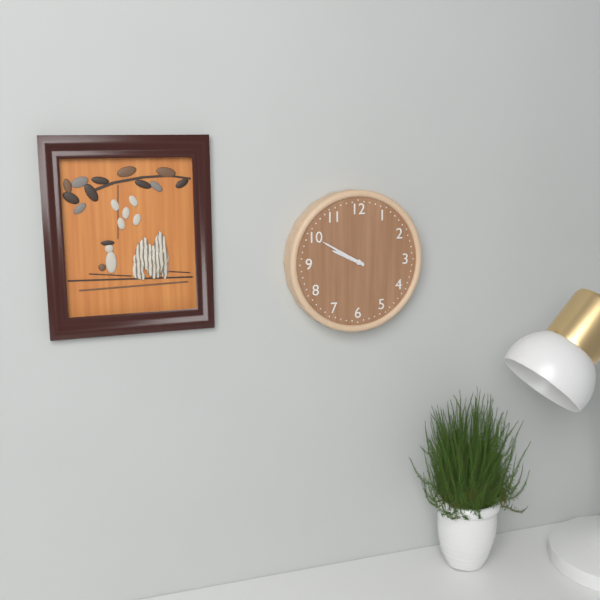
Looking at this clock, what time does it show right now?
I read 9:50
